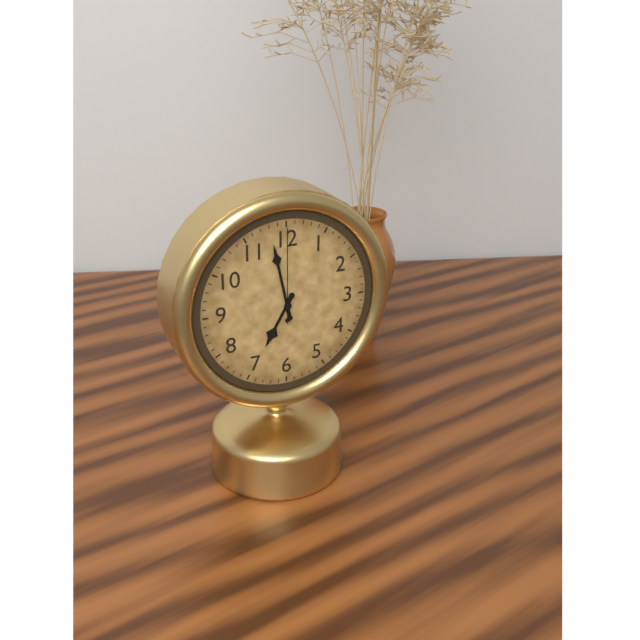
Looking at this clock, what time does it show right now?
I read 6:58:00
